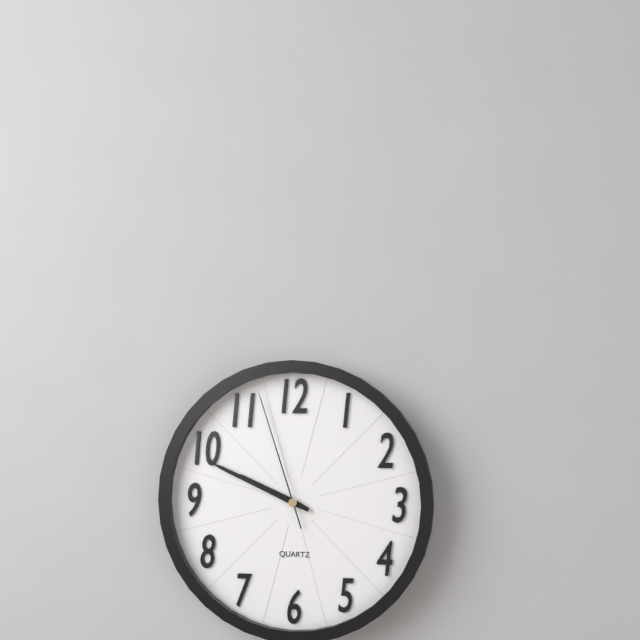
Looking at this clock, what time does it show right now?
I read 9:49:57
